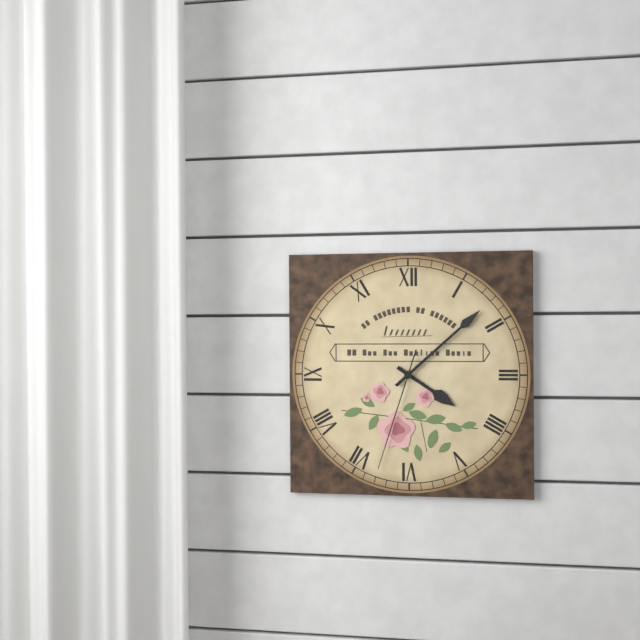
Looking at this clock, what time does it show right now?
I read 4:08:33
